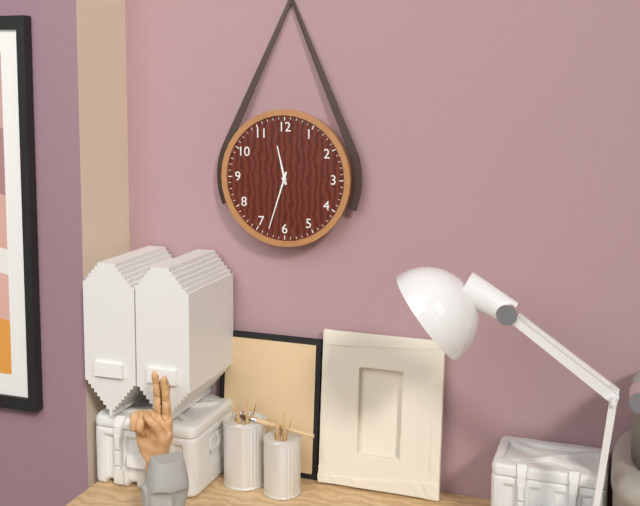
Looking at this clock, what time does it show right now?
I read 11:33
